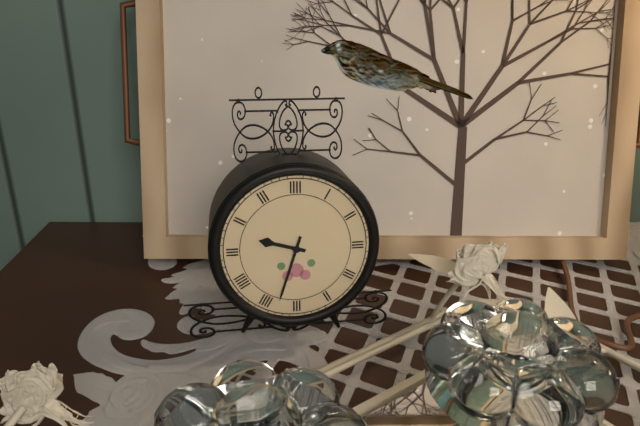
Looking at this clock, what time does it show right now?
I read 9:33
